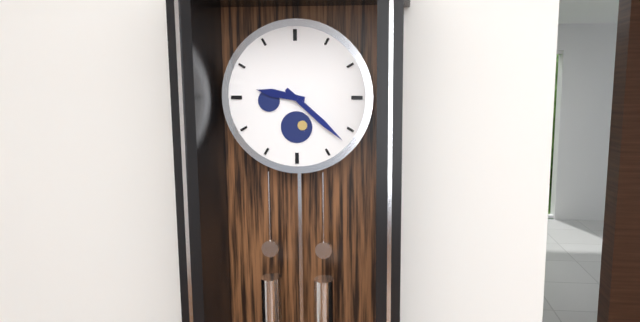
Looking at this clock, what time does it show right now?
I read 9:22
